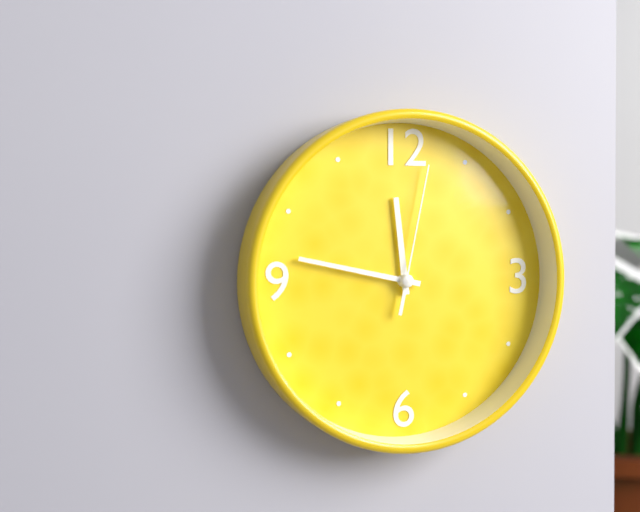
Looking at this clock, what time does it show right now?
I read 11:47:02
